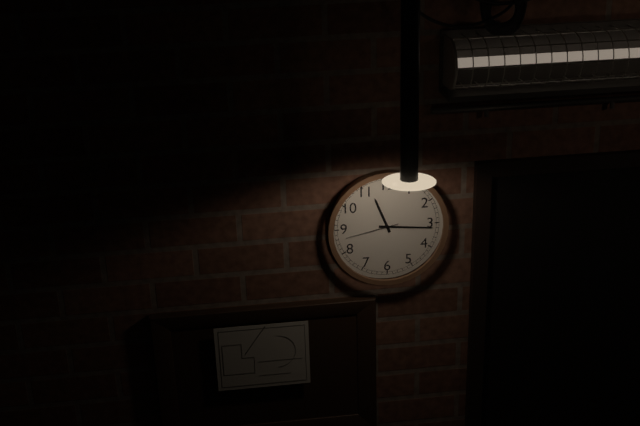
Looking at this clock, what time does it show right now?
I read 11:16:43
